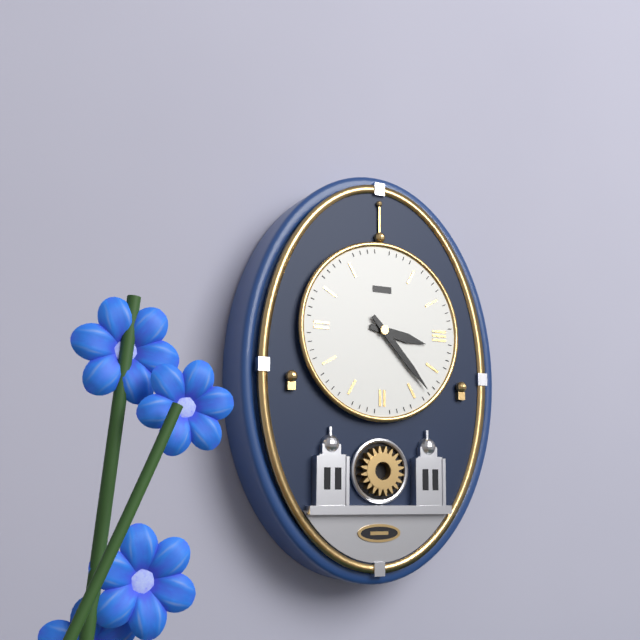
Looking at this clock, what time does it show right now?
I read 3:23
